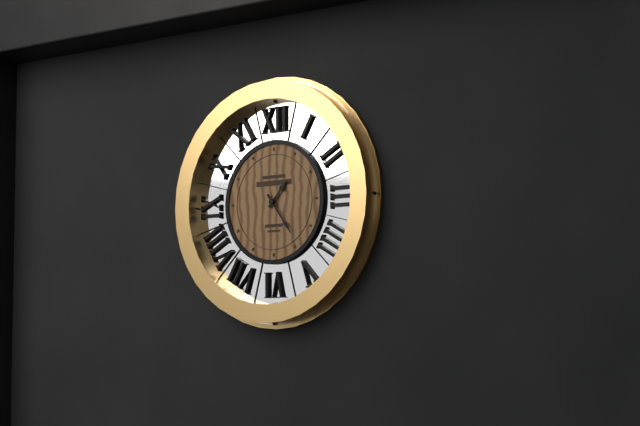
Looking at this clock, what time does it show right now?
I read 1:24
